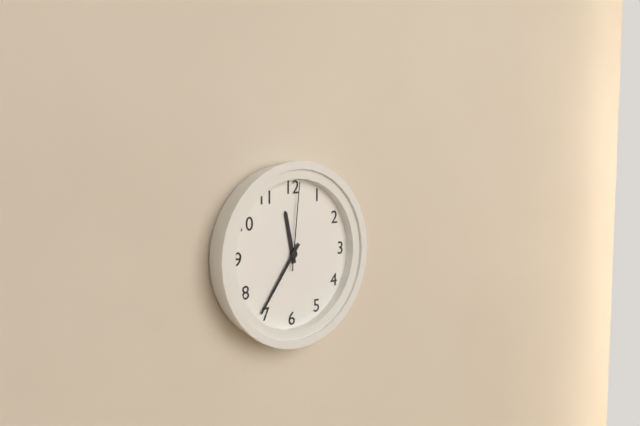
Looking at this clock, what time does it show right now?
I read 11:36:01
